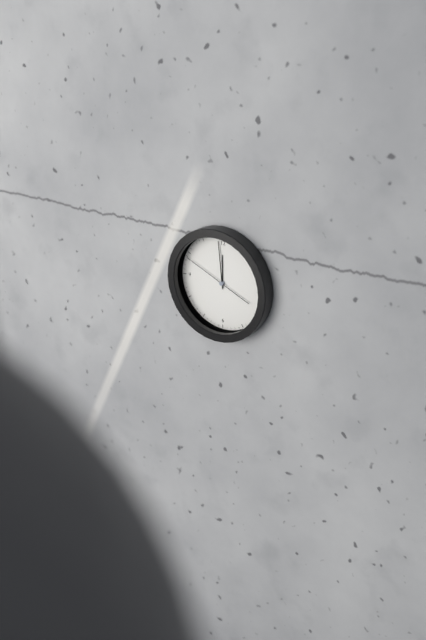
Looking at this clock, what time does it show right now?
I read 11:59:49
